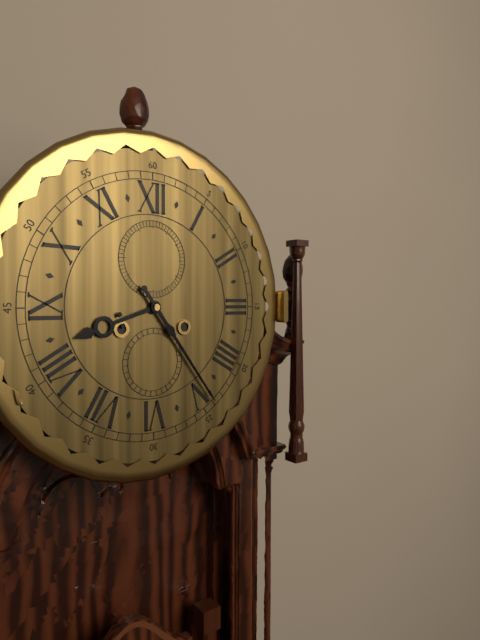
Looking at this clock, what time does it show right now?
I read 8:24
